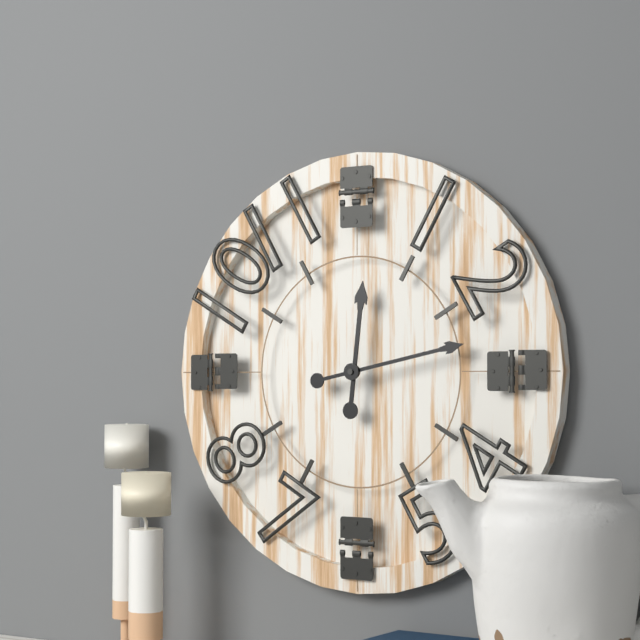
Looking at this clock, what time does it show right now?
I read 12:13
